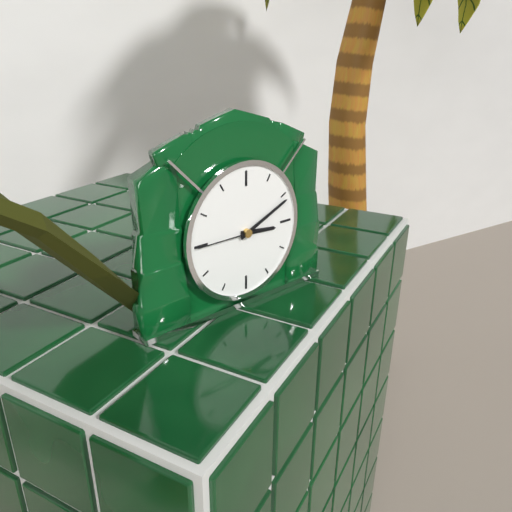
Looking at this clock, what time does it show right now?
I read 3:11:45
